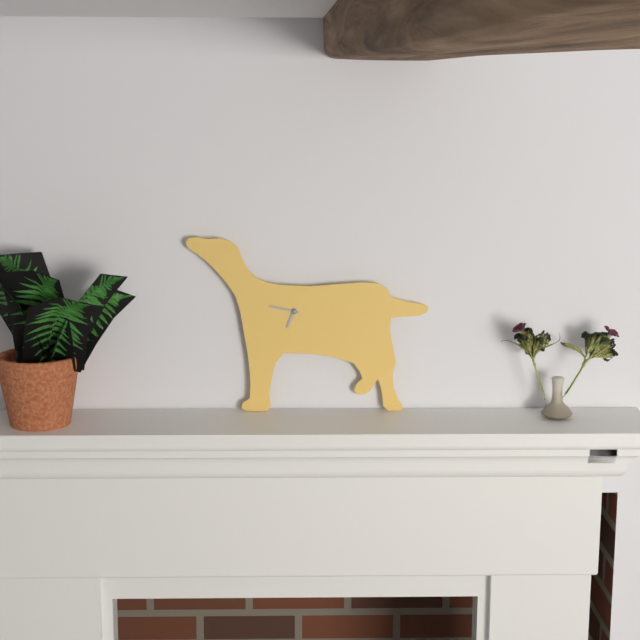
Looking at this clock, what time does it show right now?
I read 6:47
